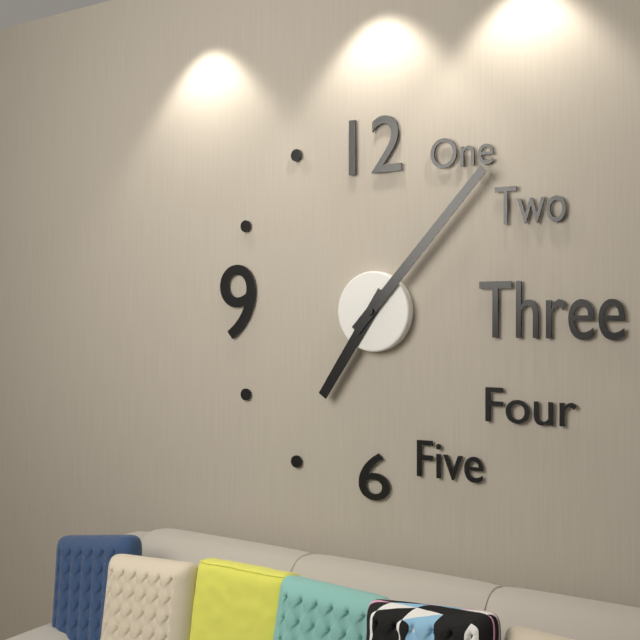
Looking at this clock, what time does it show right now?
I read 7:07
